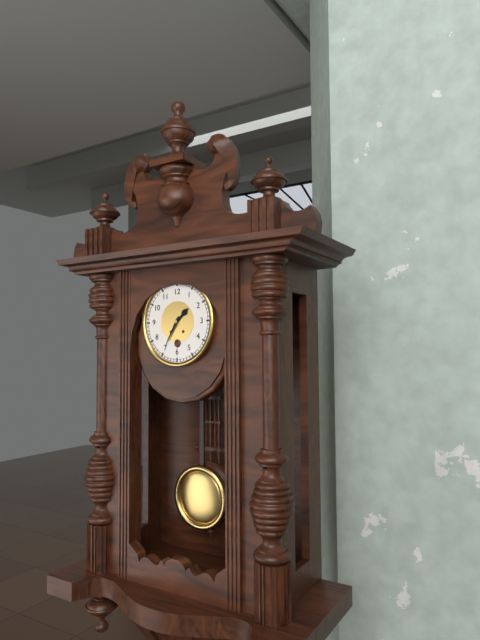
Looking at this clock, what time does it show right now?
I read 1:35
